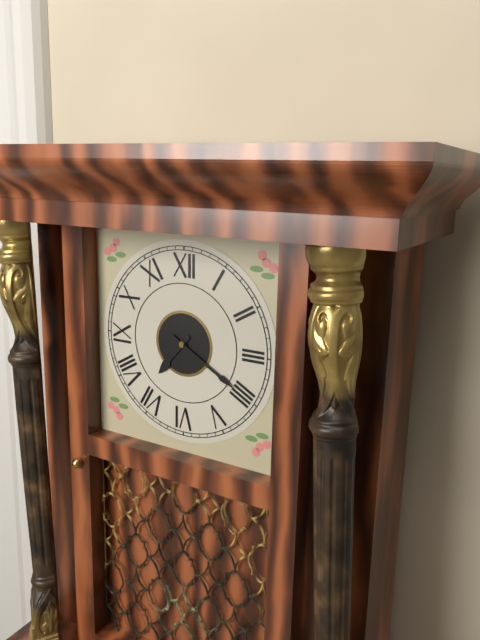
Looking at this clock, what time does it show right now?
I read 7:20
